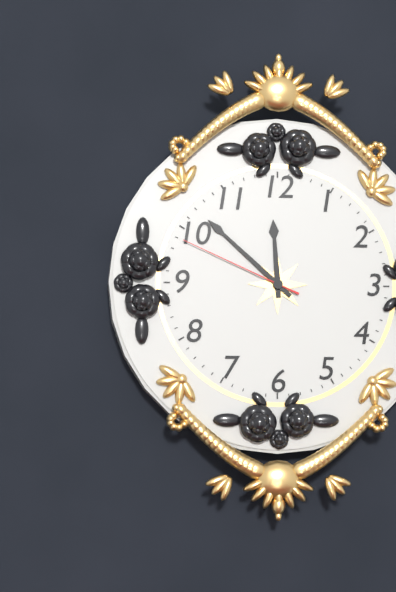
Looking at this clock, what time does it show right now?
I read 11:52:49
